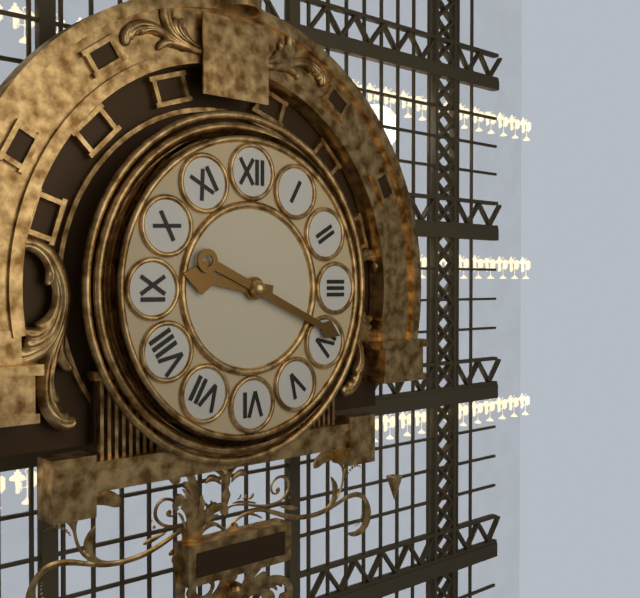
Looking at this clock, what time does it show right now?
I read 9:19
